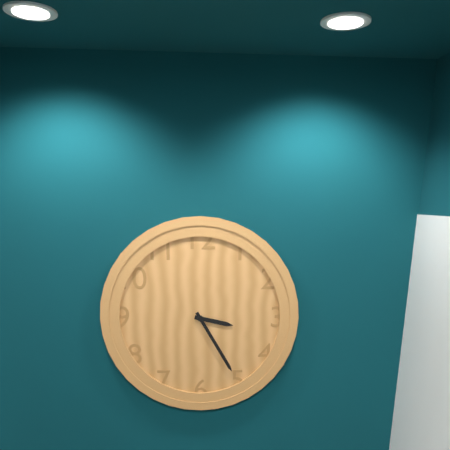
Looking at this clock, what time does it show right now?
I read 3:25
